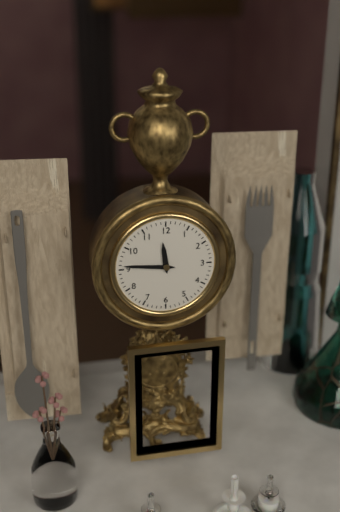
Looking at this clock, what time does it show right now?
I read 11:46
